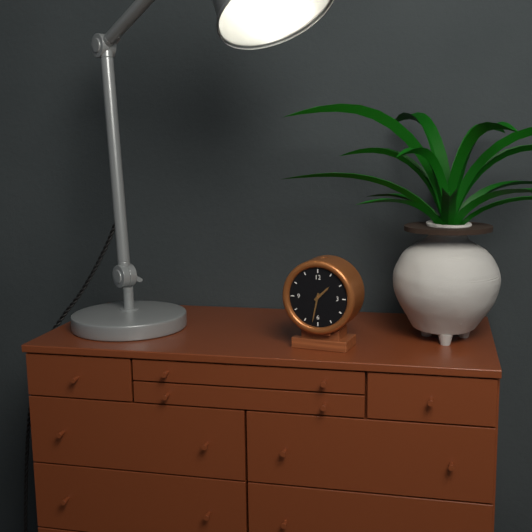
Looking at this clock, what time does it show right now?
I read 1:32
